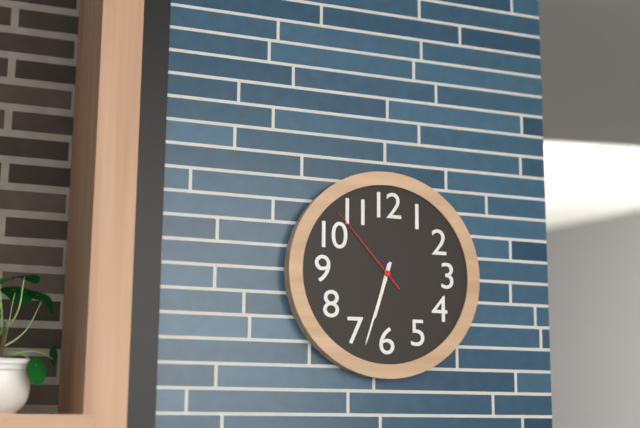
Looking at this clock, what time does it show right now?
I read 6:33:53
